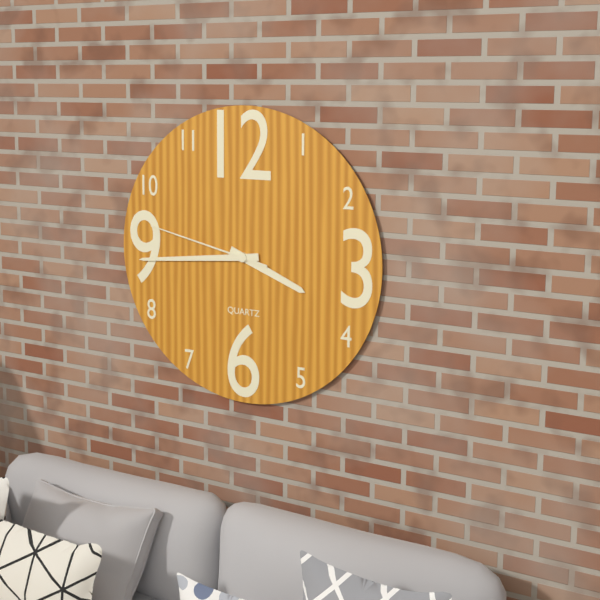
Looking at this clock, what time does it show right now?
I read 3:44:47
